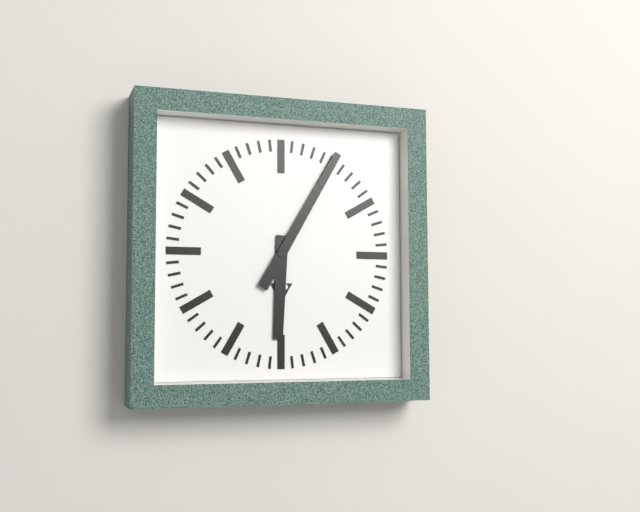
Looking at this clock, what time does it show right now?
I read 6:05
